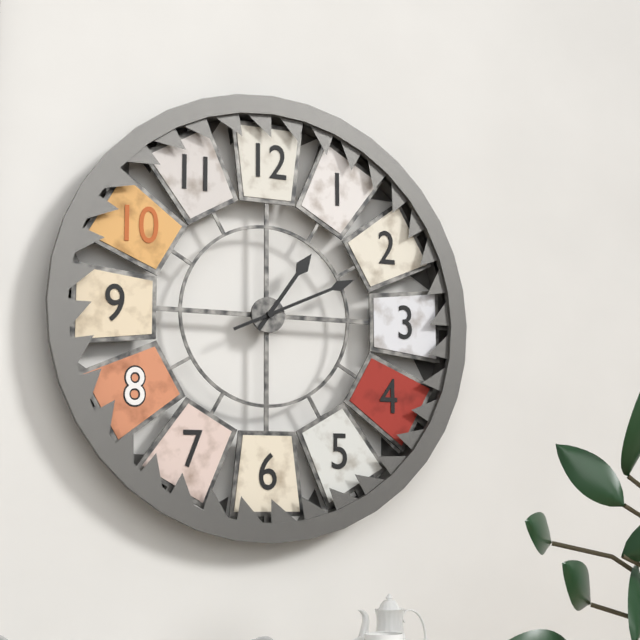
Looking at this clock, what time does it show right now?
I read 1:11
